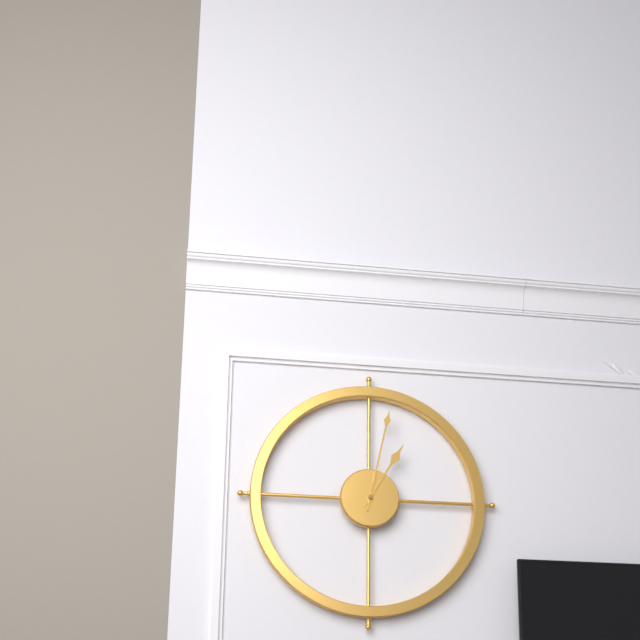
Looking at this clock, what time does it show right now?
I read 1:02
